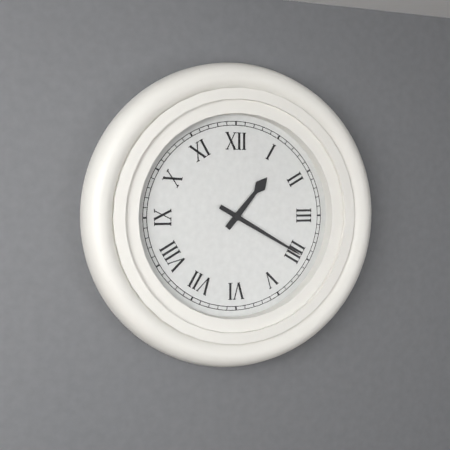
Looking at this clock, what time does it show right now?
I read 1:20
